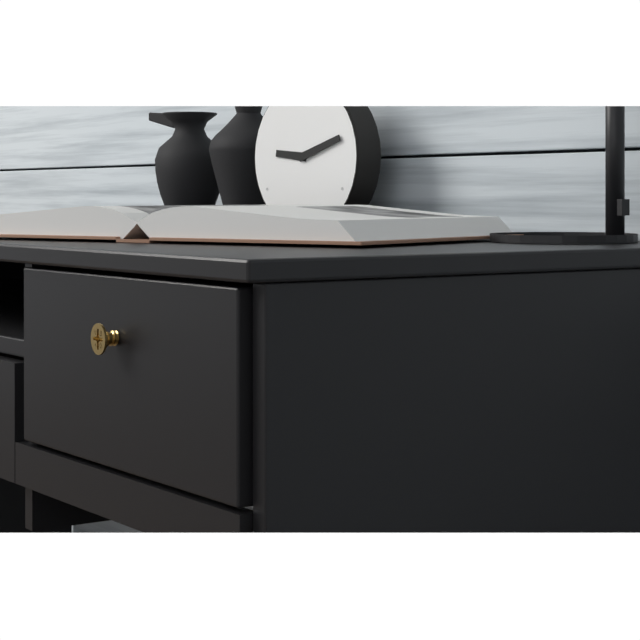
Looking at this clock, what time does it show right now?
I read 9:12
